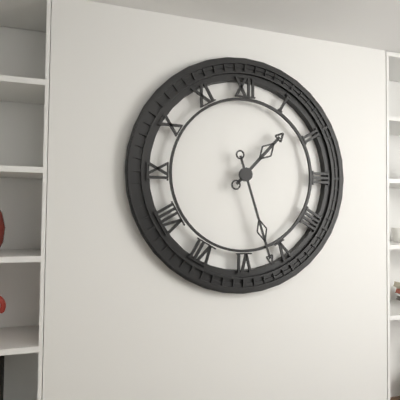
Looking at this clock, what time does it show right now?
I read 1:27
